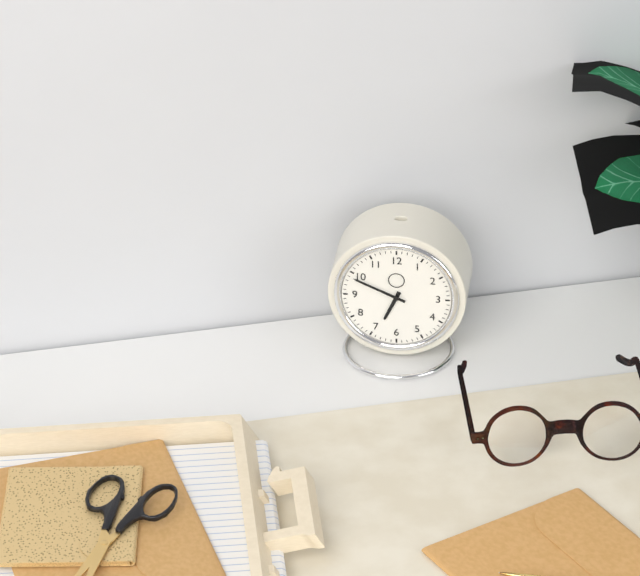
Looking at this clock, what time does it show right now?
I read 6:49
